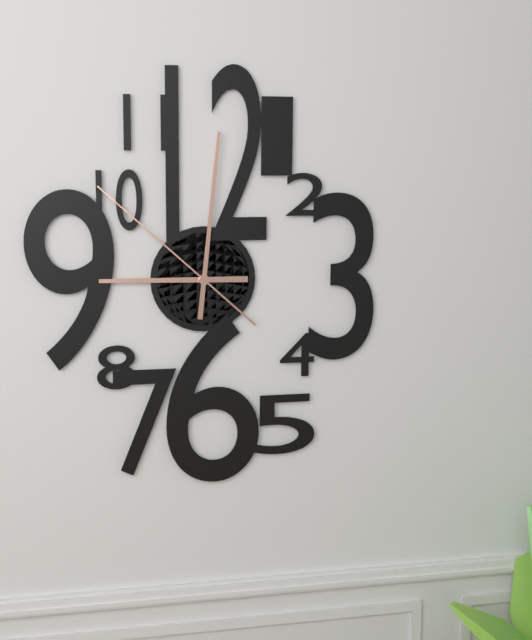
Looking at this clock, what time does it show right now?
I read 9:01:52
